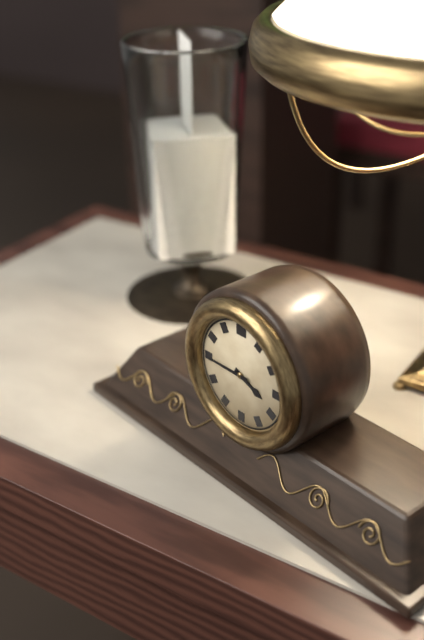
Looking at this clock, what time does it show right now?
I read 3:45
